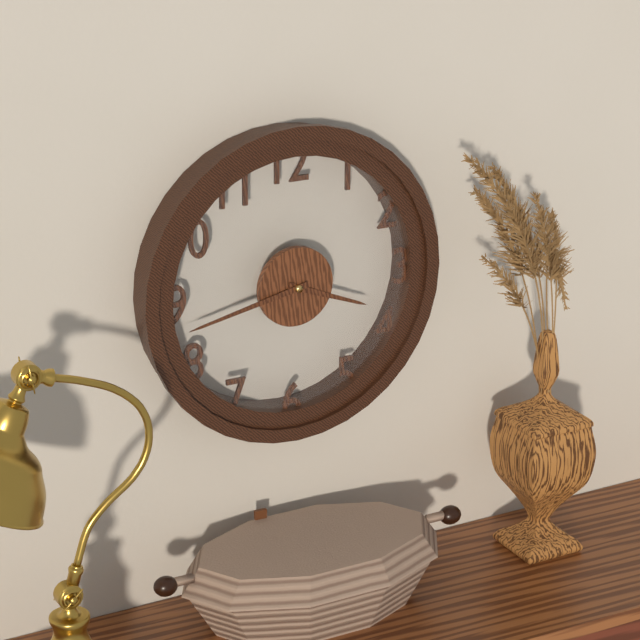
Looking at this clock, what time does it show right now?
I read 3:43
